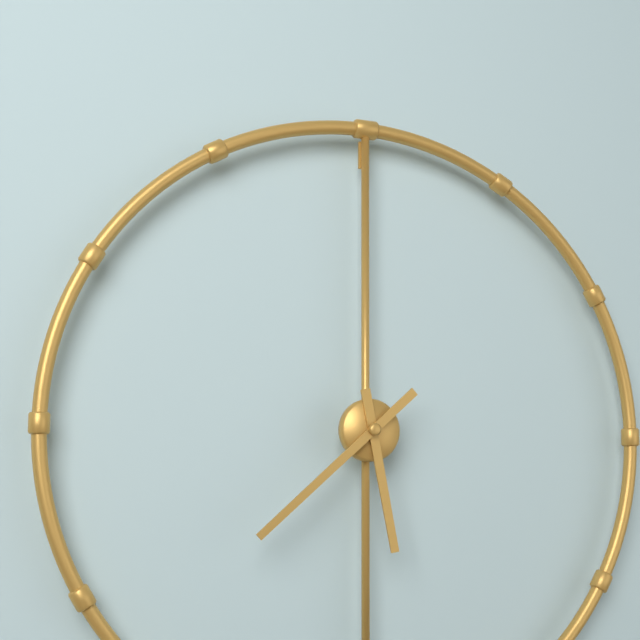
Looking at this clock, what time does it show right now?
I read 5:38
